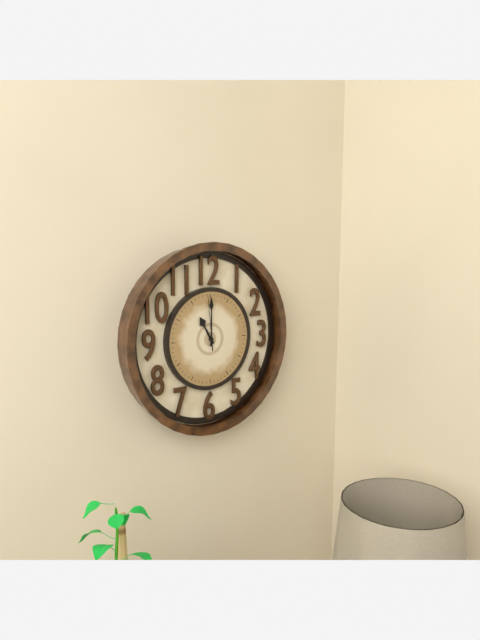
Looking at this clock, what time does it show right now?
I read 11:00:59
